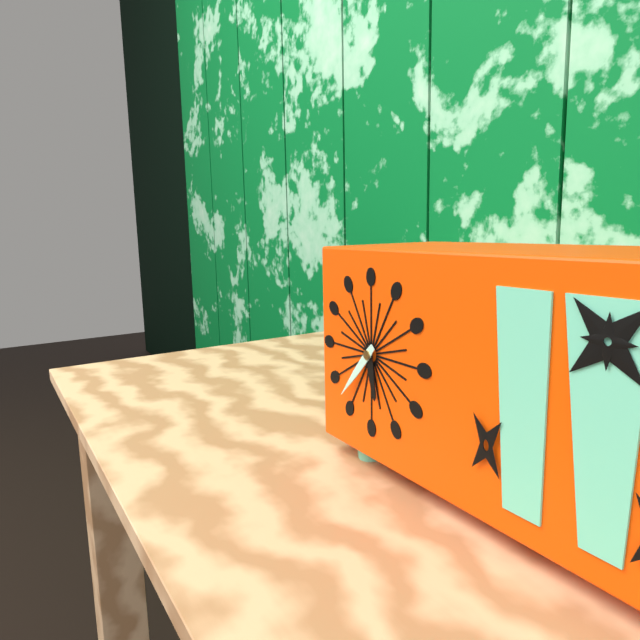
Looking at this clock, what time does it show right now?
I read 5:37
